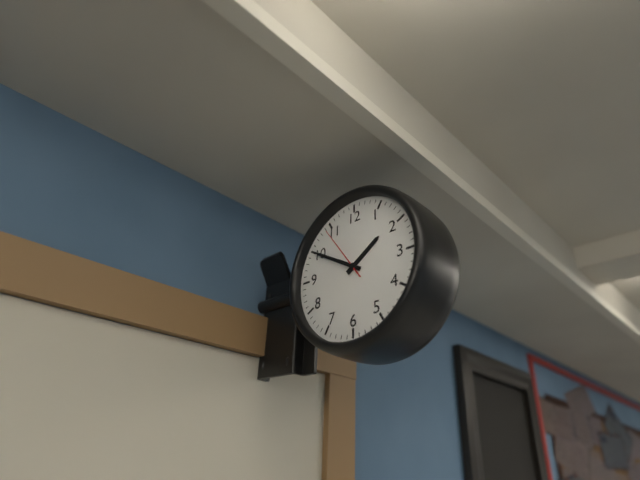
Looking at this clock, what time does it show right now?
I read 1:50:54
